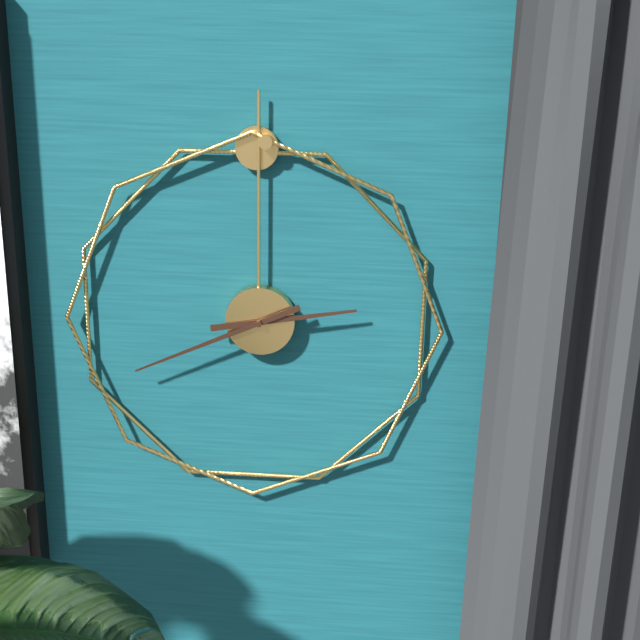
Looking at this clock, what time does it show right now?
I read 2:41
